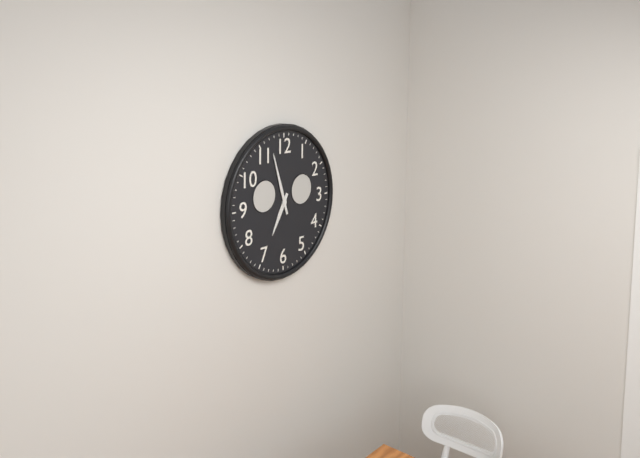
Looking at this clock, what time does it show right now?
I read 6:57
